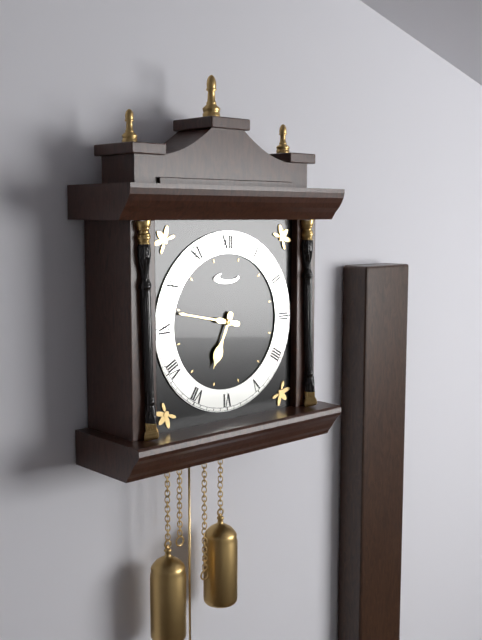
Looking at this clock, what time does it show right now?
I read 6:47
